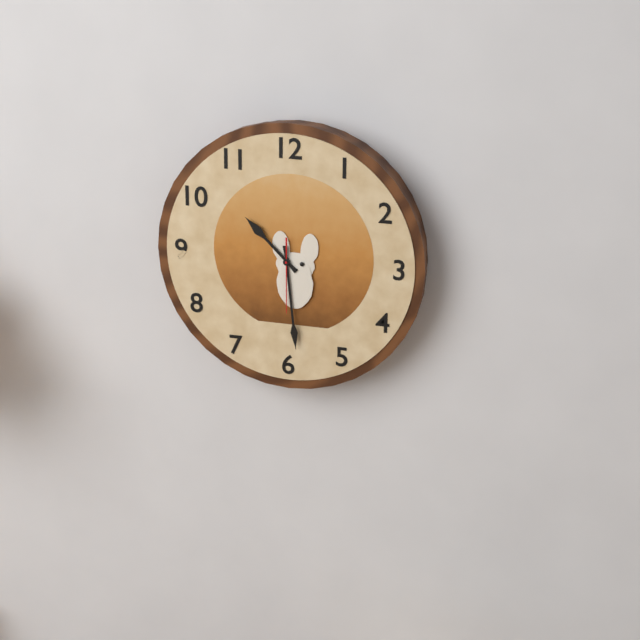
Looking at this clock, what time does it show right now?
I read 10:29:30
